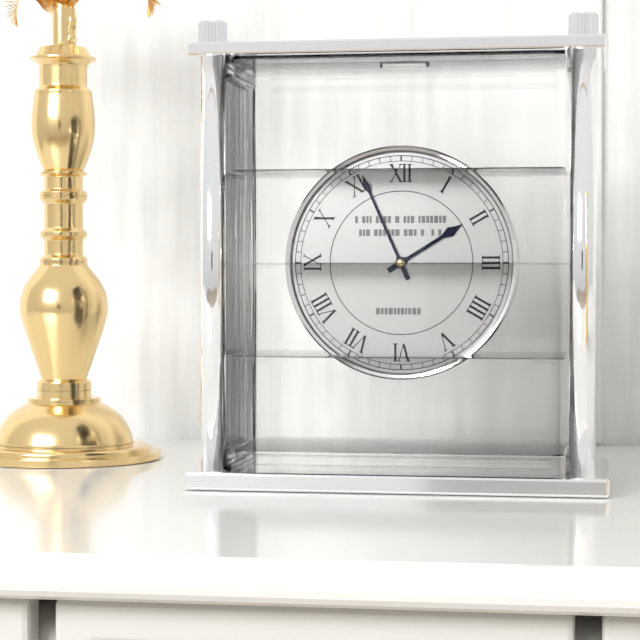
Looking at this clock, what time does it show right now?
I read 1:56
